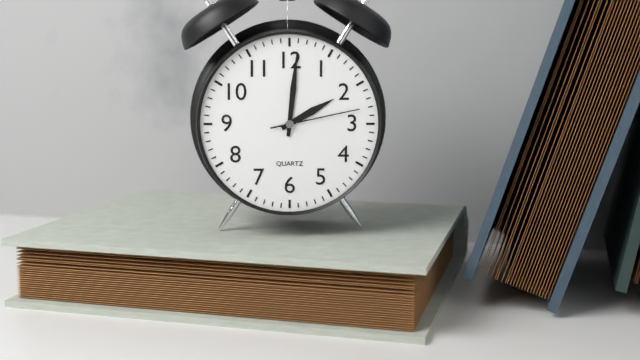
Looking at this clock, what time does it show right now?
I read 2:01:13
